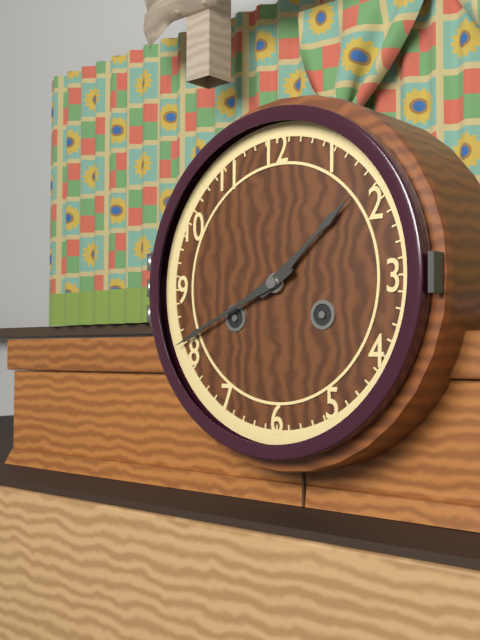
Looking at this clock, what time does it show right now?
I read 1:41
